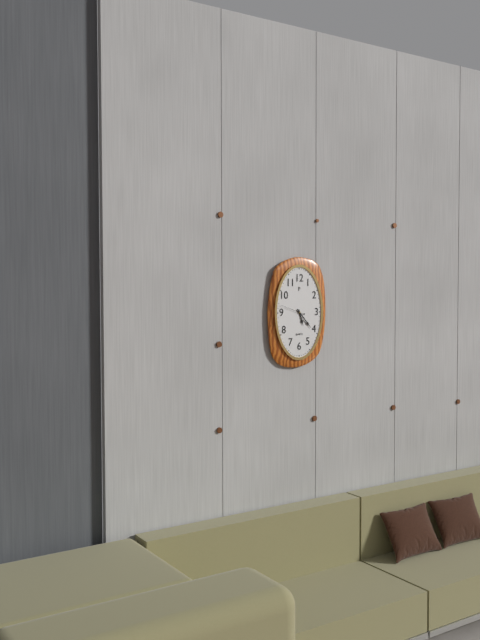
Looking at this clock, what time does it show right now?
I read 5:23
